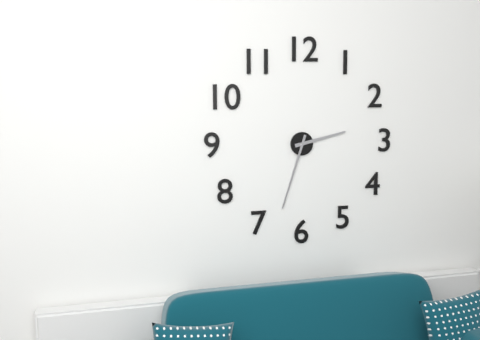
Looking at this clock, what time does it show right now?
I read 2:33
